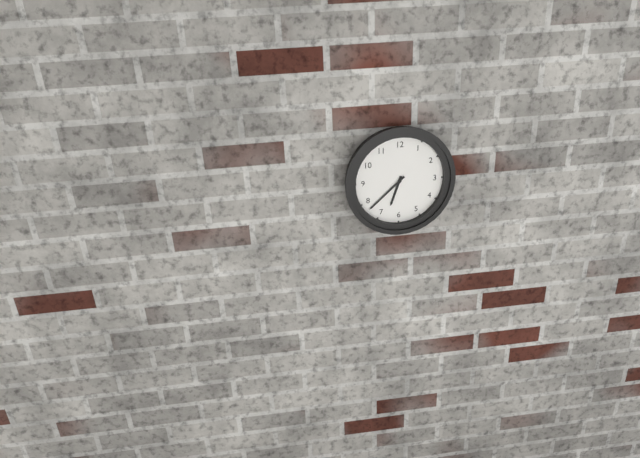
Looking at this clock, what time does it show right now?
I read 6:38
